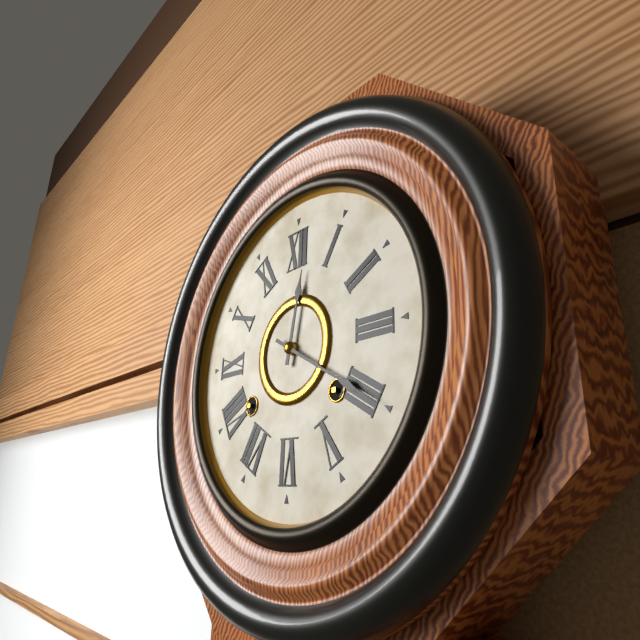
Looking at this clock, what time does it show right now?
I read 12:20
